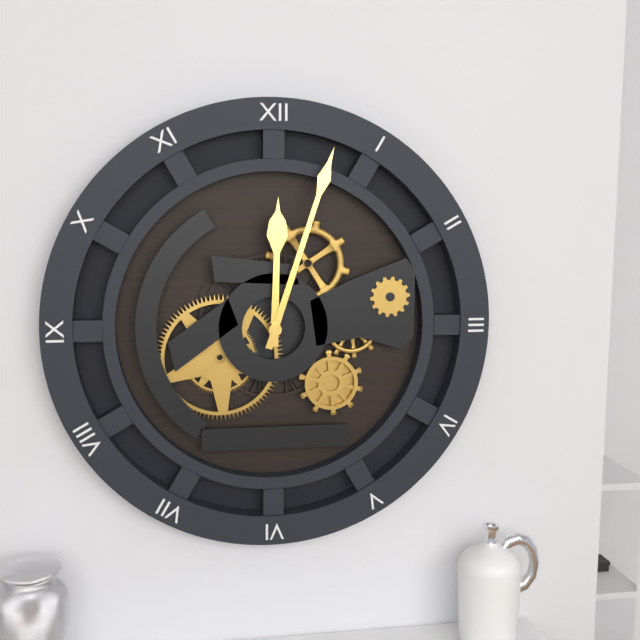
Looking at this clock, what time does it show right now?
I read 12:03
